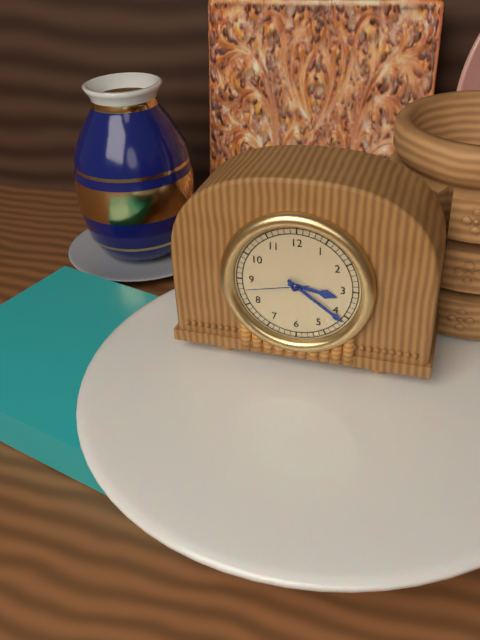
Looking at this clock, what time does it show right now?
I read 3:21:43
